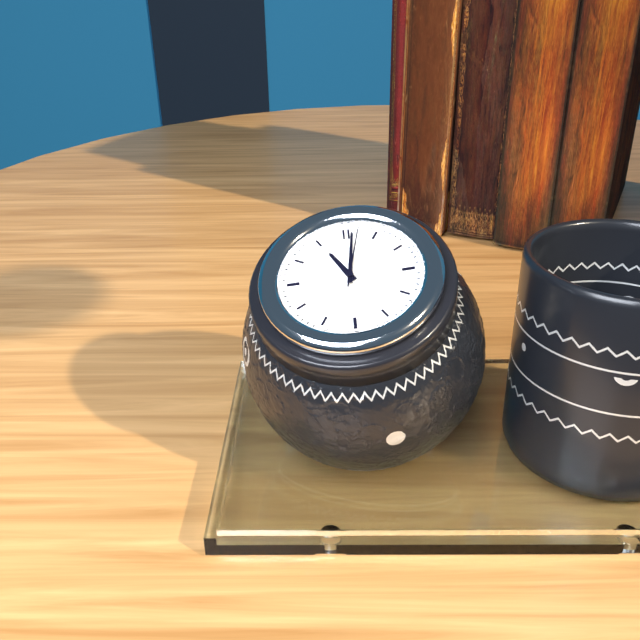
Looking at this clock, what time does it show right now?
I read 11:01:02
